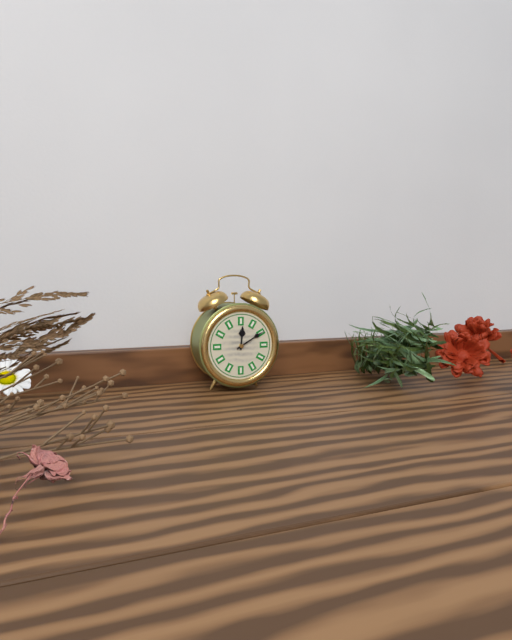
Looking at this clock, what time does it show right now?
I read 12:10
